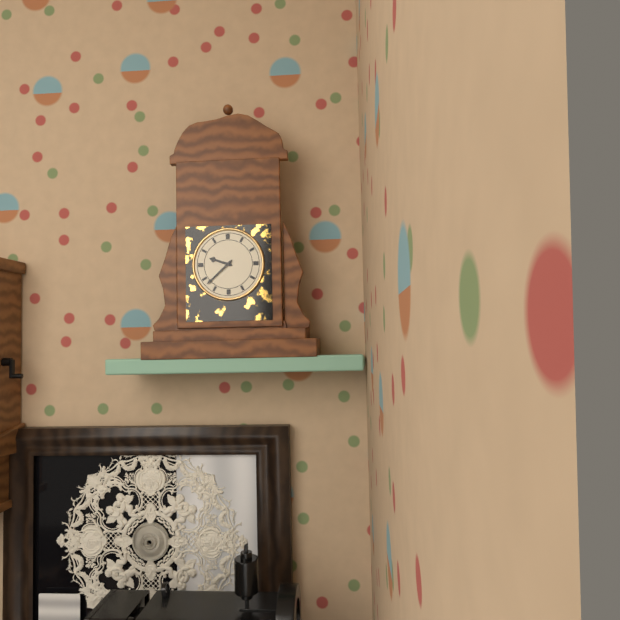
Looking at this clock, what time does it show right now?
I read 9:38
